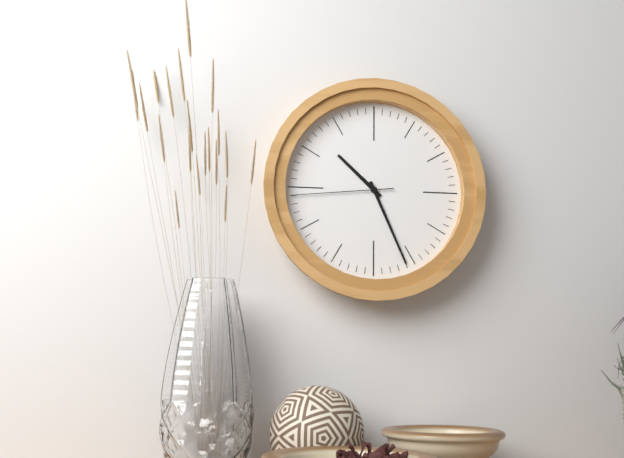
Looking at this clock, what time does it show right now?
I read 10:26:44
